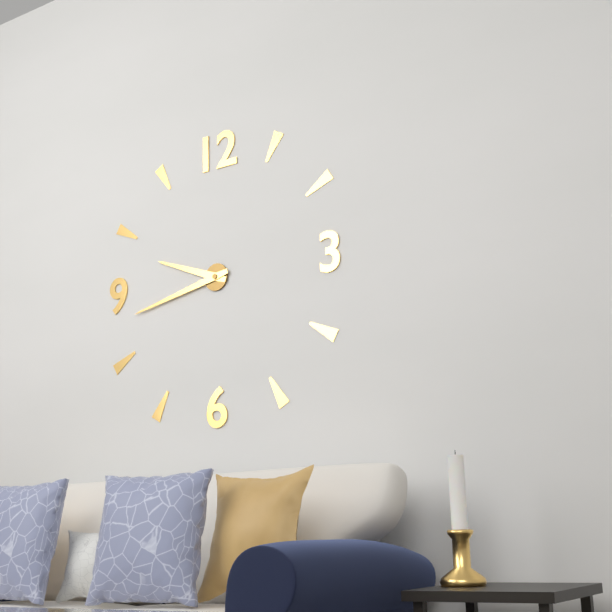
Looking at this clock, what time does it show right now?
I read 9:43
